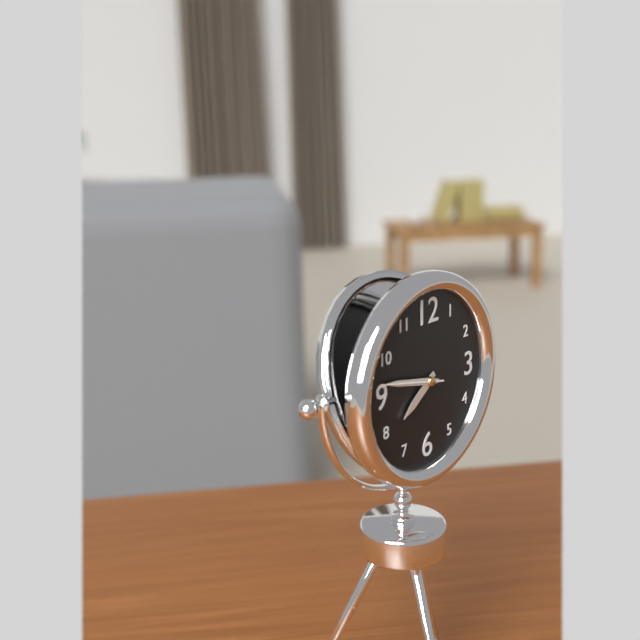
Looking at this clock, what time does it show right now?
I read 7:47
